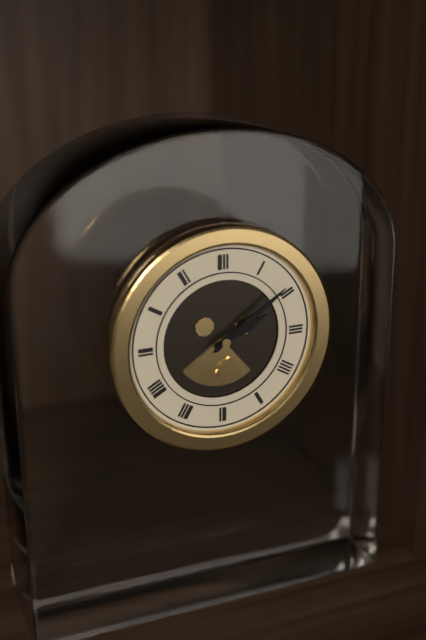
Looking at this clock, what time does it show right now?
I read 2:09
